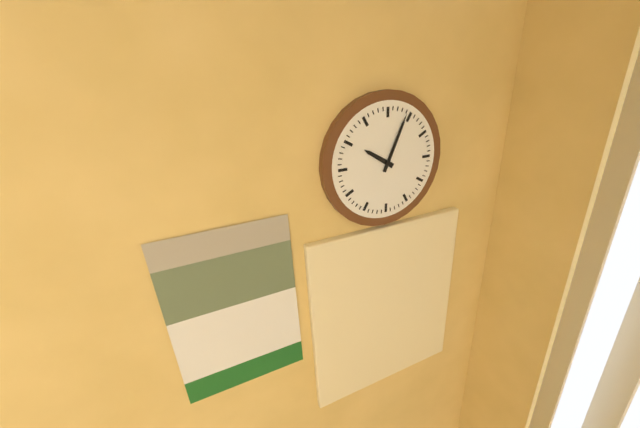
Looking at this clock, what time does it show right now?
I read 10:04
